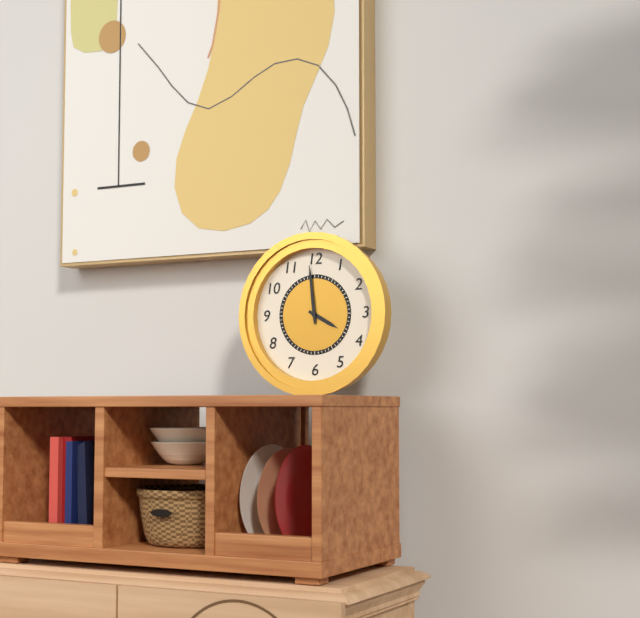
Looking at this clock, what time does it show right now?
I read 3:59
